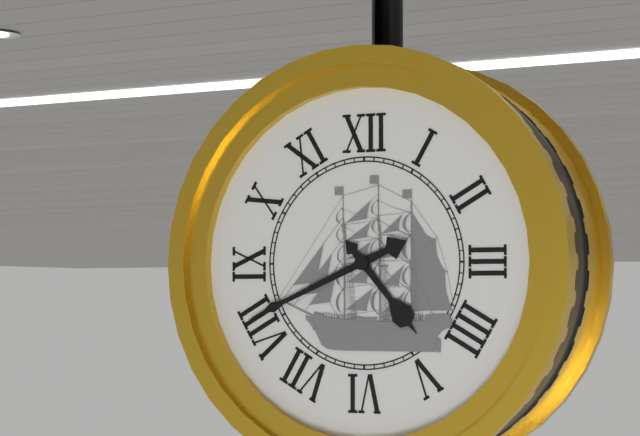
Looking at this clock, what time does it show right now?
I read 4:41
